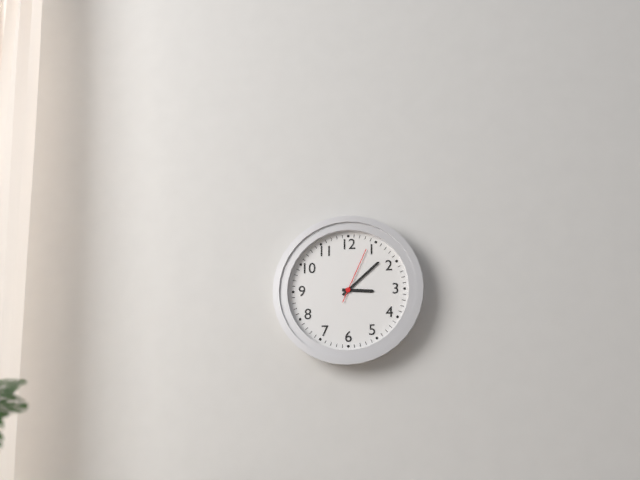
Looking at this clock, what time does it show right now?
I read 3:08:04
